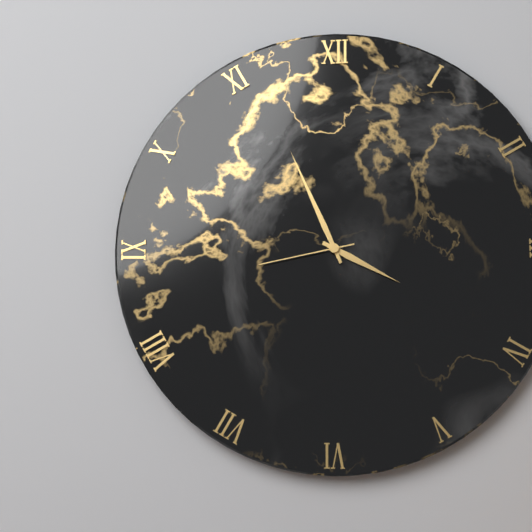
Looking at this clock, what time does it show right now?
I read 3:56:43
